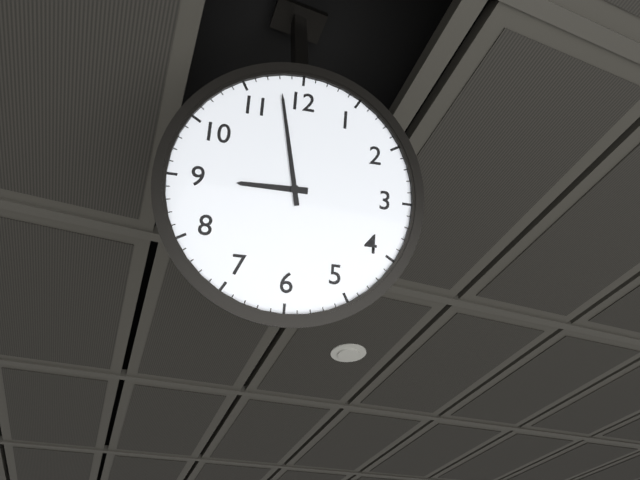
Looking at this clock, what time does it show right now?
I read 8:58
